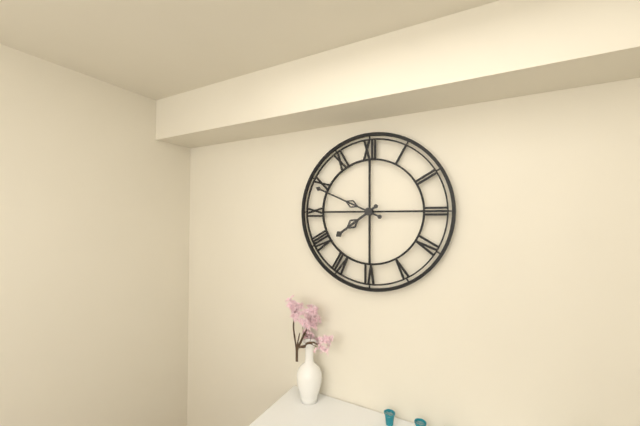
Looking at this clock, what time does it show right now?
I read 7:49
